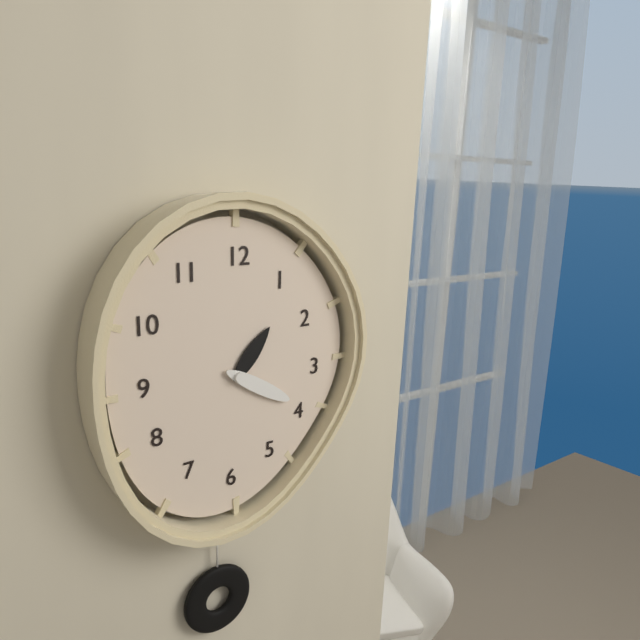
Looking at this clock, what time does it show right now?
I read 1:20
